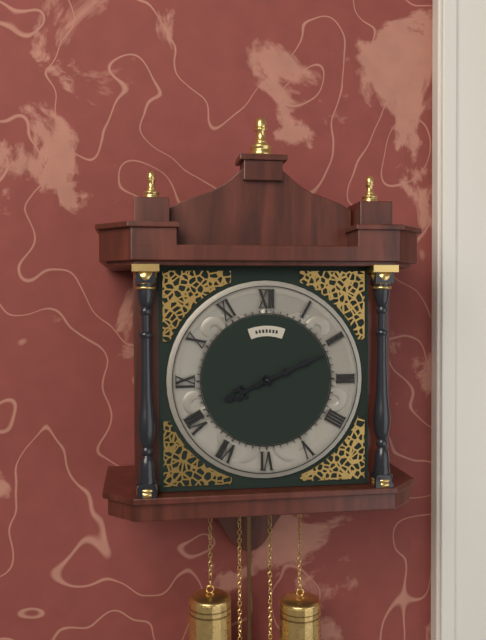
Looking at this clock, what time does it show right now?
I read 8:11
